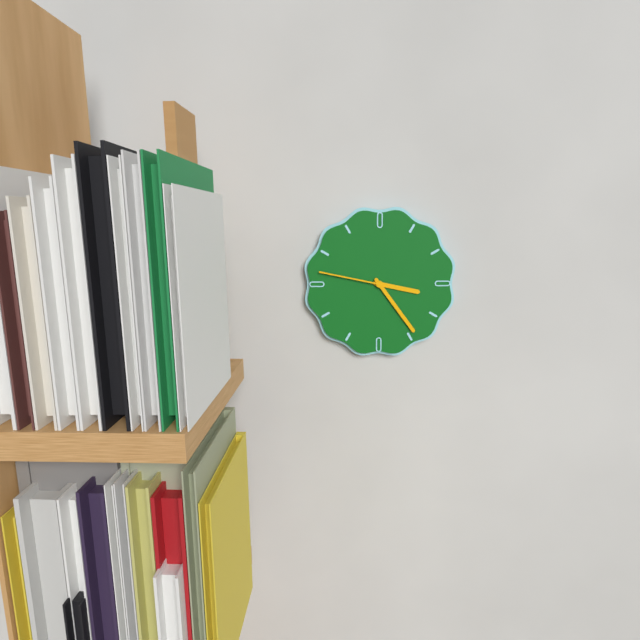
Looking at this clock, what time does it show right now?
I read 3:24:47
